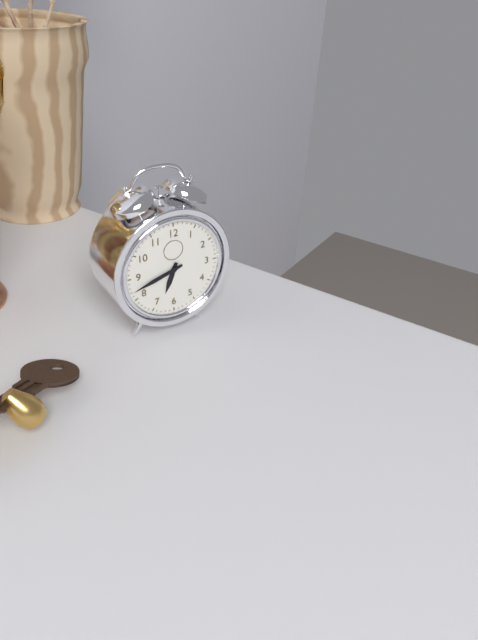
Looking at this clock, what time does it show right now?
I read 6:42
